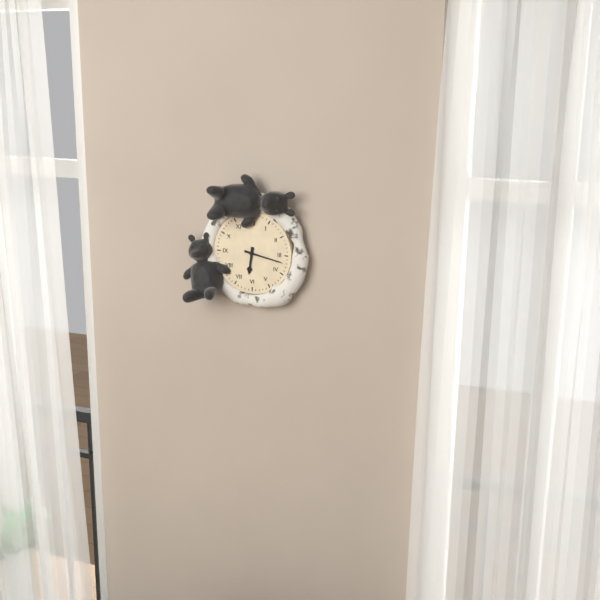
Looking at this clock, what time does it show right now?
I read 6:17
